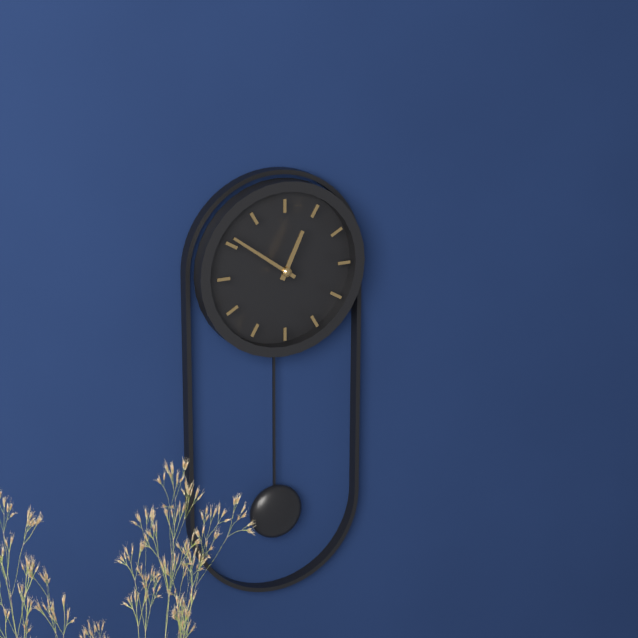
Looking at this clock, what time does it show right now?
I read 12:51
